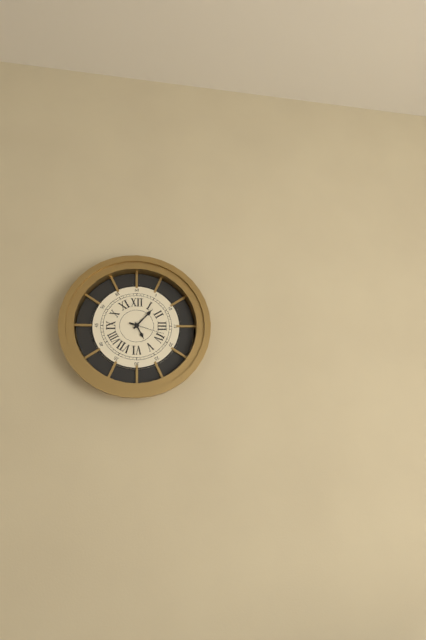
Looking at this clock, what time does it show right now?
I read 5:07
